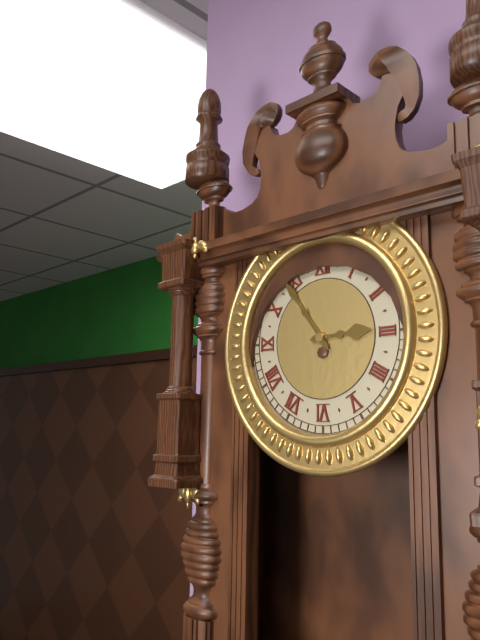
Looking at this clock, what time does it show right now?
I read 2:54
